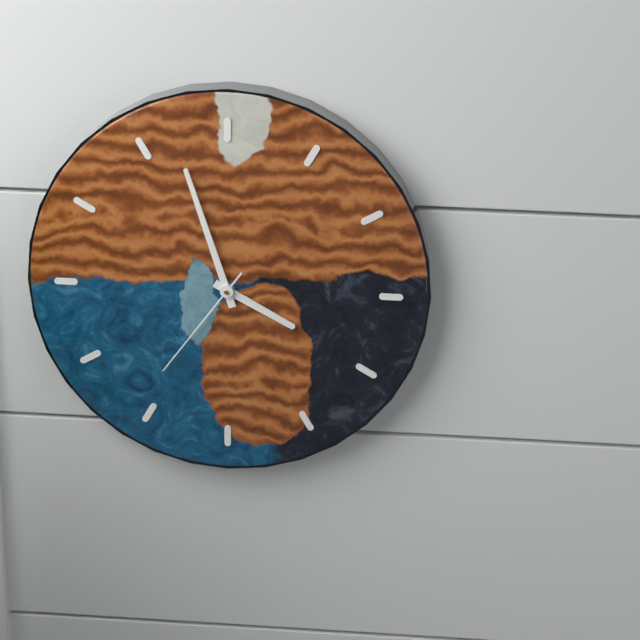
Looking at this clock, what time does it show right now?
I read 3:57:36
